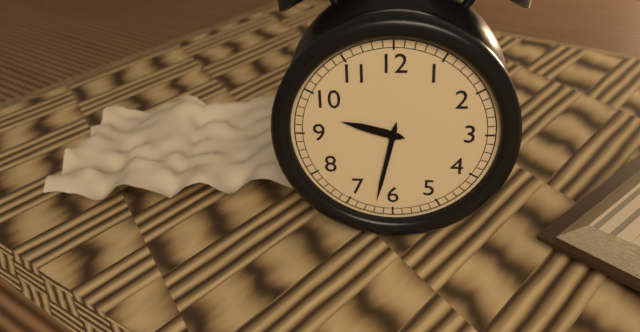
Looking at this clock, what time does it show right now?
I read 9:32
